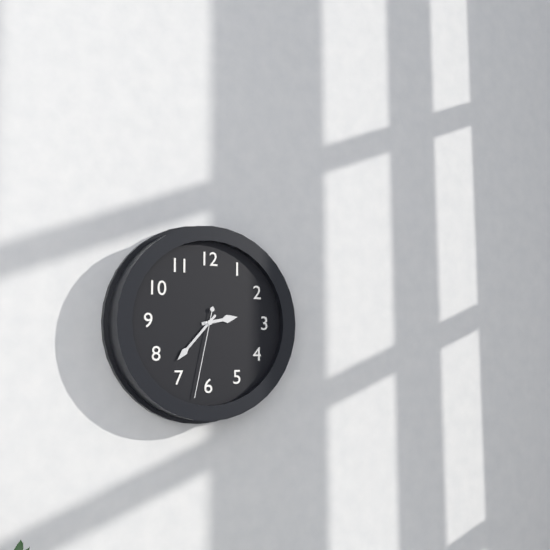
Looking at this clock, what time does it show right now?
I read 2:37:32
